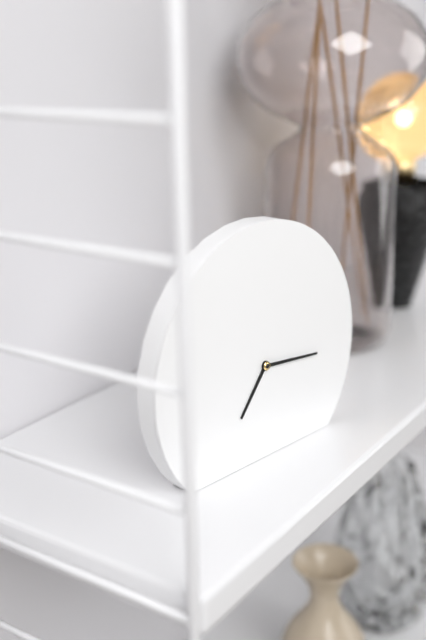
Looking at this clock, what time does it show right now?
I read 7:16
